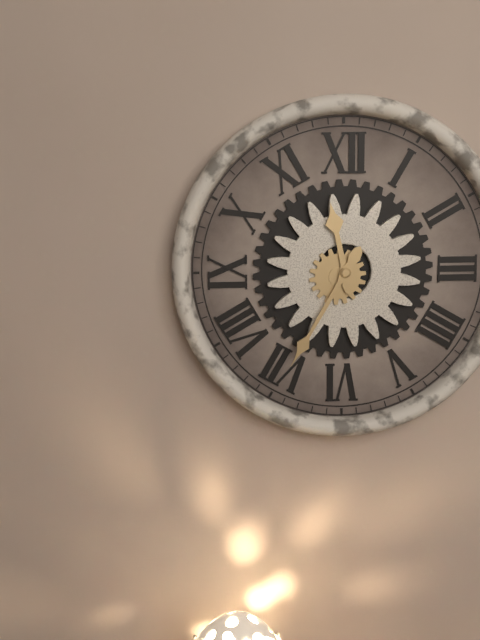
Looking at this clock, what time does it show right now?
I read 11:35
